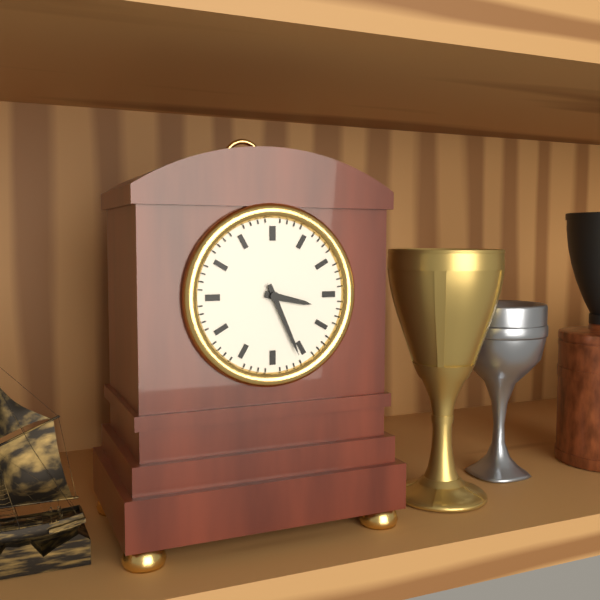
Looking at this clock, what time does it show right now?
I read 3:26
